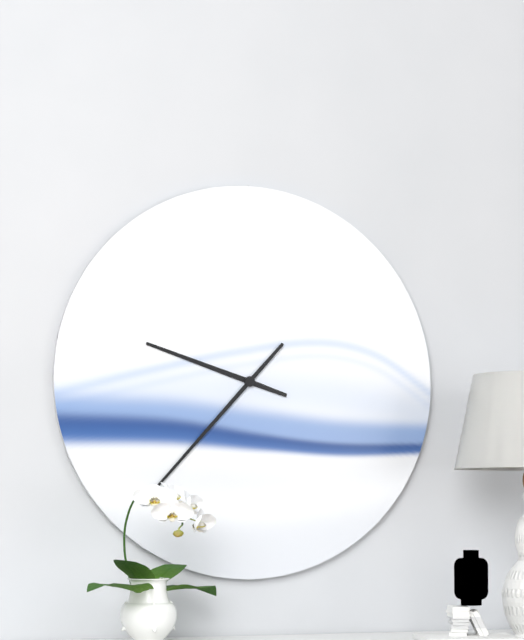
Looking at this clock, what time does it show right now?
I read 9:37
